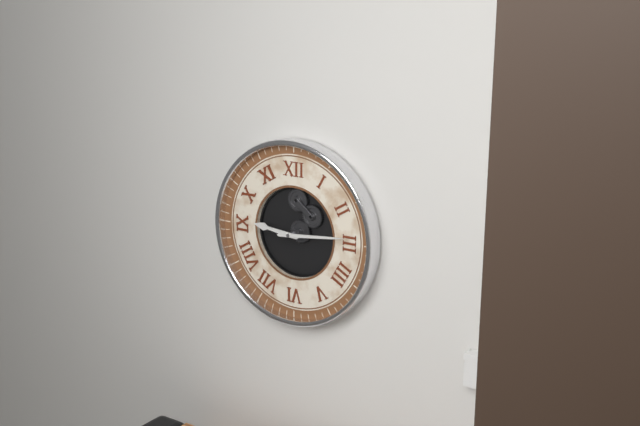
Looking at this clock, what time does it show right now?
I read 9:14
